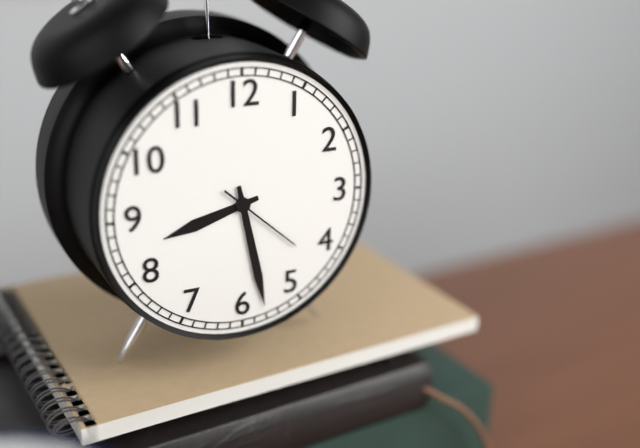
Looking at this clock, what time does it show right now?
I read 8:28:22
